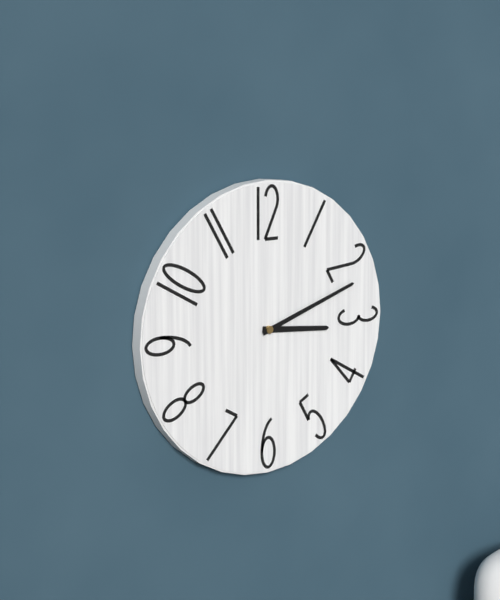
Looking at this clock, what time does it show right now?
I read 3:12
